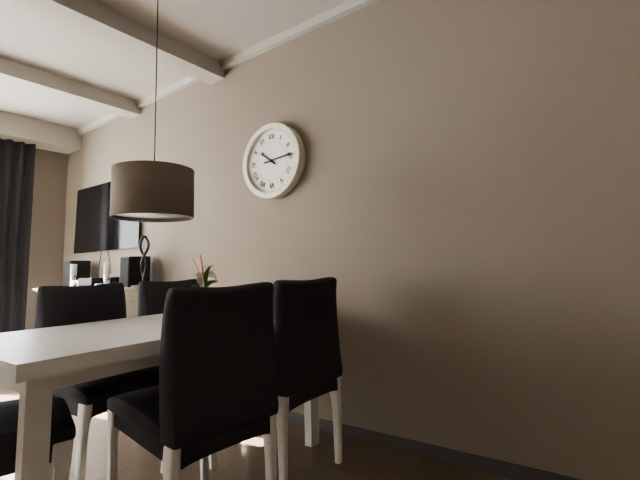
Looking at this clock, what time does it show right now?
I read 10:14
